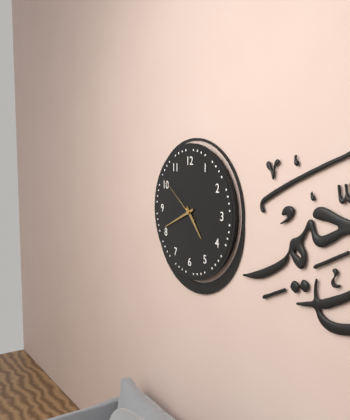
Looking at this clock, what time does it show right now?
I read 4:41:51
